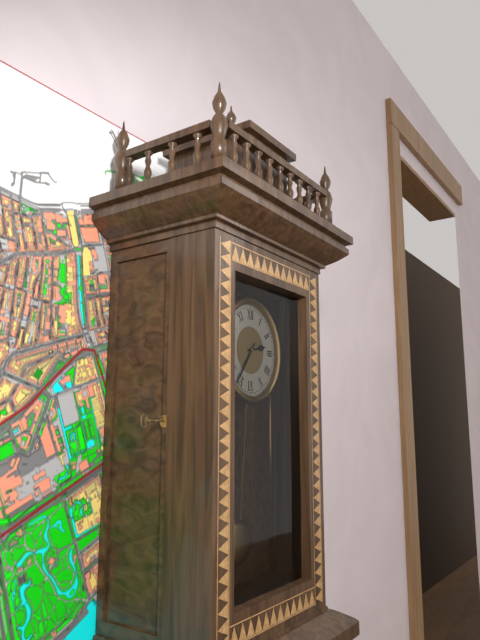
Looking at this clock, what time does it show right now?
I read 2:36
